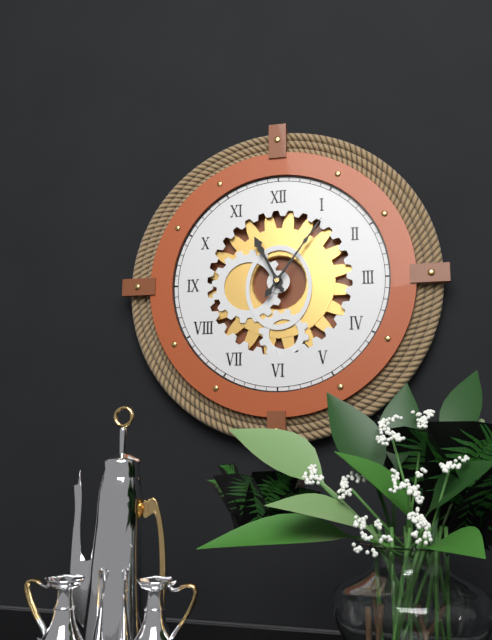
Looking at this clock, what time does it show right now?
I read 11:06
